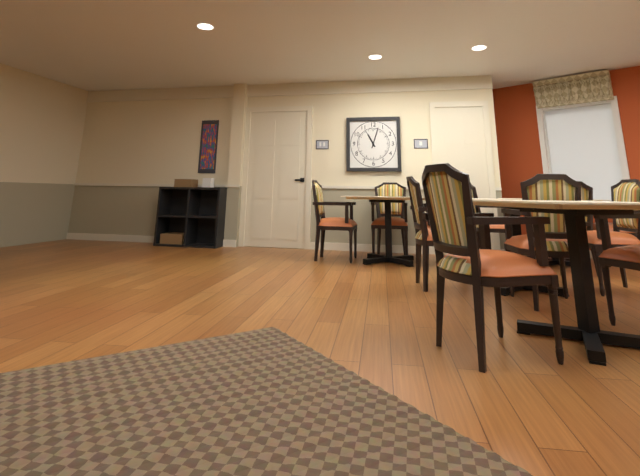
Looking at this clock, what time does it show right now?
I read 11:03
